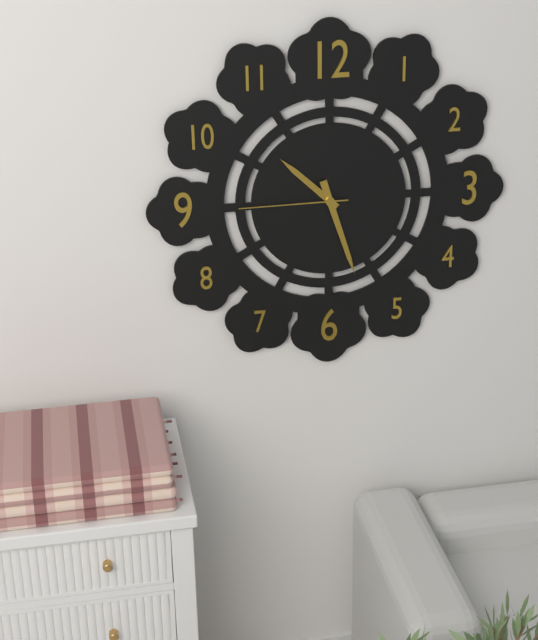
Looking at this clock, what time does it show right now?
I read 10:27:45
